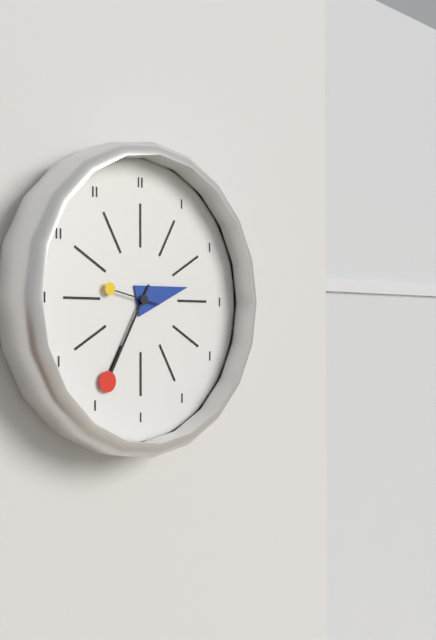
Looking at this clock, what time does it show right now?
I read 2:35
